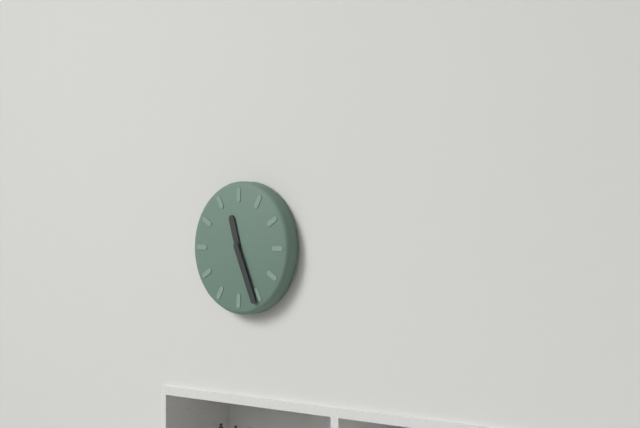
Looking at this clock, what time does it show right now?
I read 11:26
